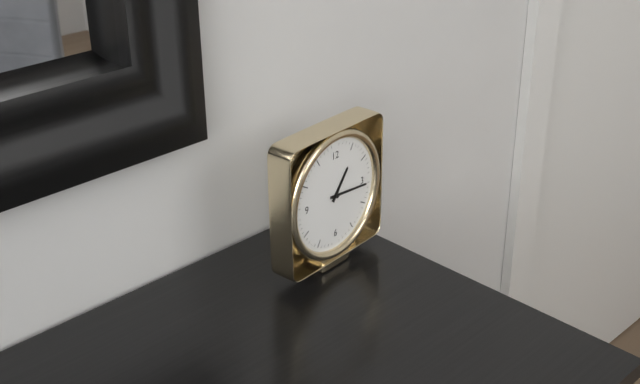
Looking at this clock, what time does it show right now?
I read 1:16
